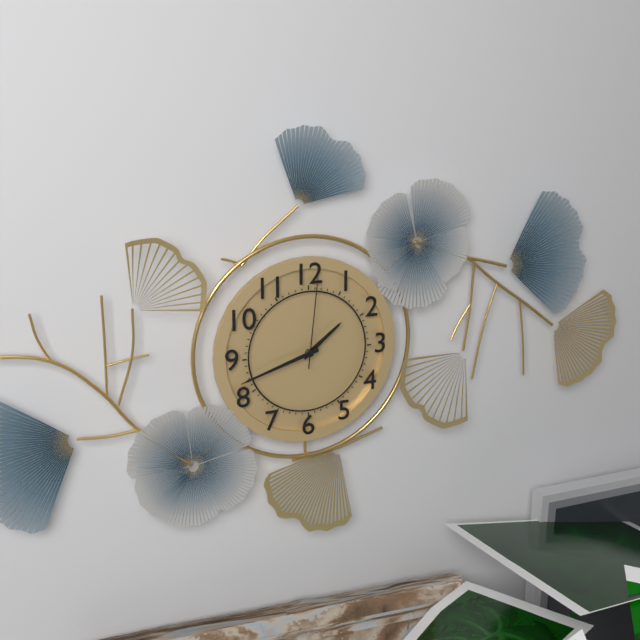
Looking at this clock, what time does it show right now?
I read 1:42:01
